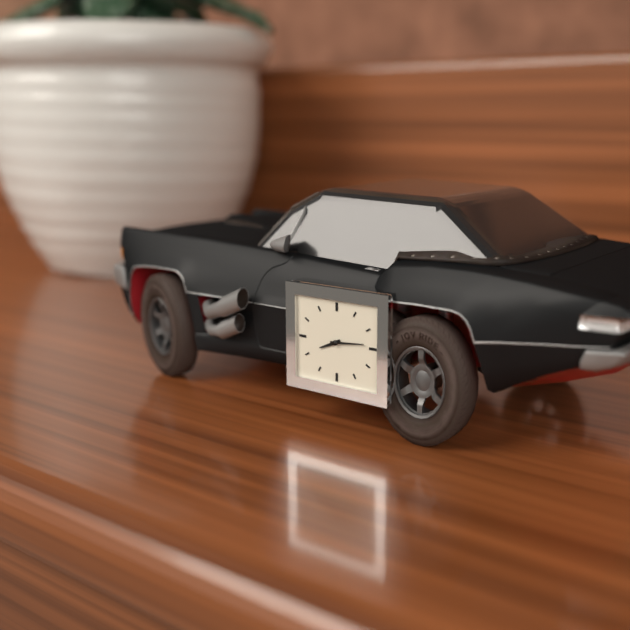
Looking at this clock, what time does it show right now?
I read 8:14
